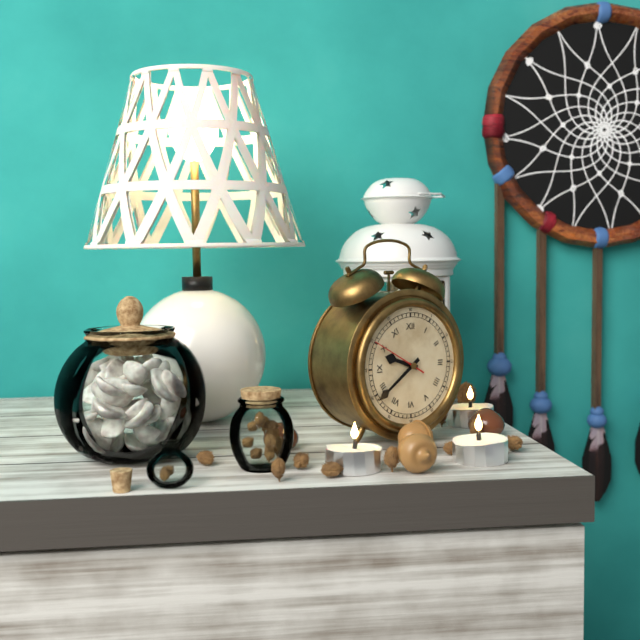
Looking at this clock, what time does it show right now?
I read 9:39:50
